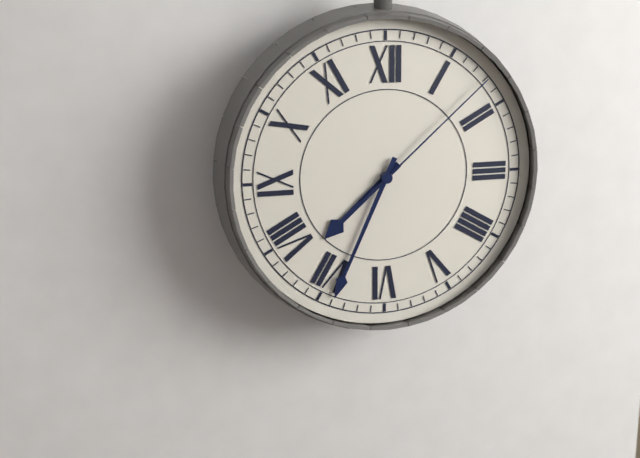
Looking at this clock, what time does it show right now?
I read 7:34:08
